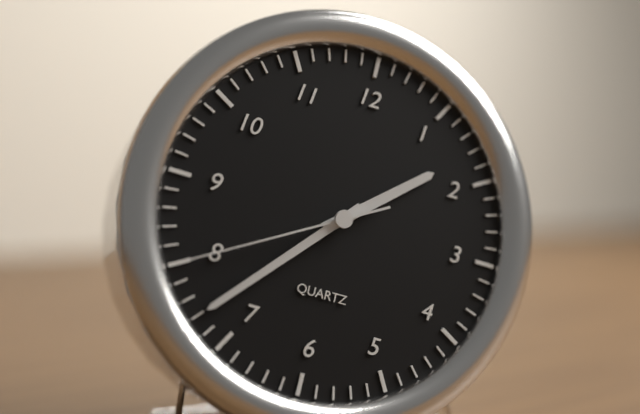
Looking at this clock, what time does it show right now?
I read 1:37:40
